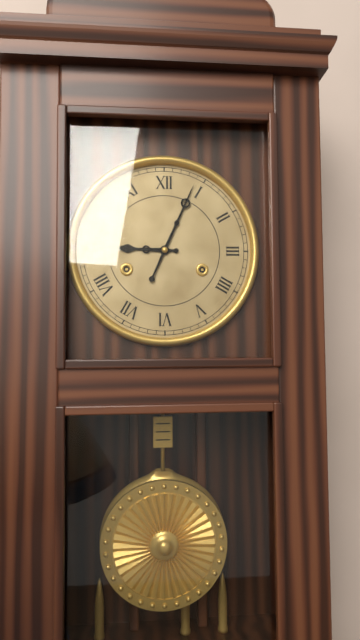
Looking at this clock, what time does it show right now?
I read 9:04
